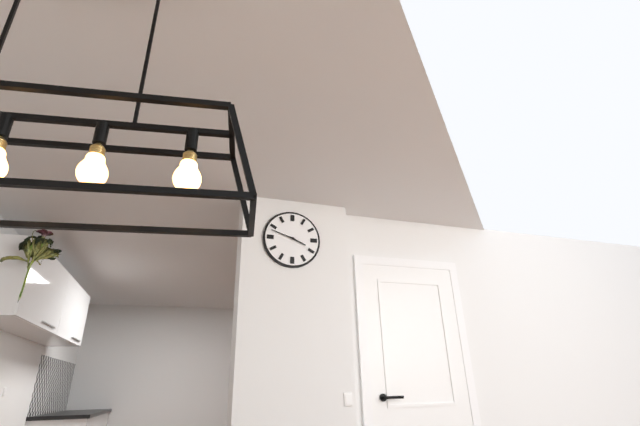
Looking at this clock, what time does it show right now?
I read 3:48
